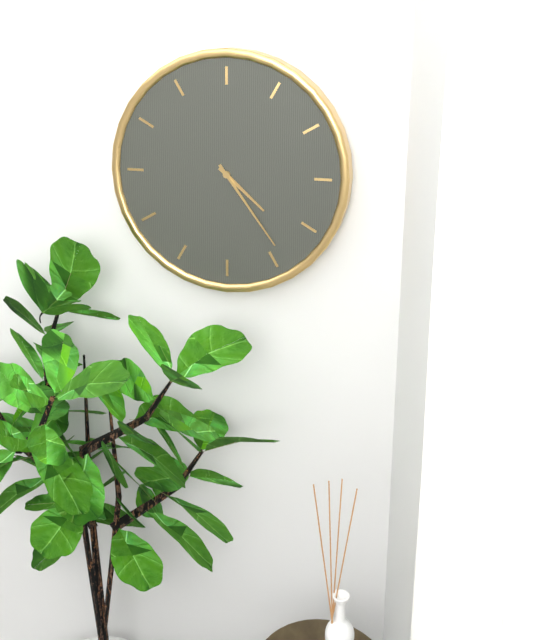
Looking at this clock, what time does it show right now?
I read 4:24
